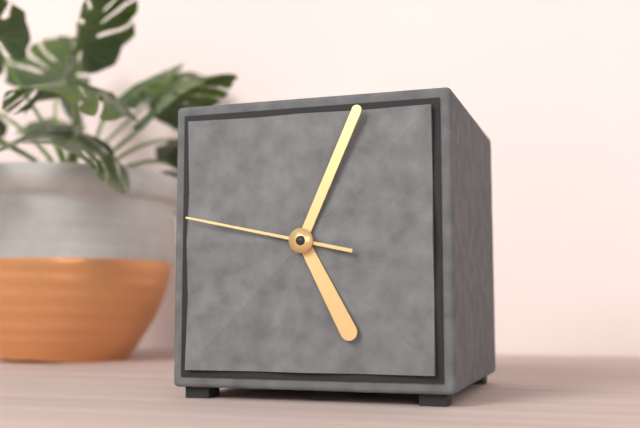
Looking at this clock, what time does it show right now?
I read 5:04:47
